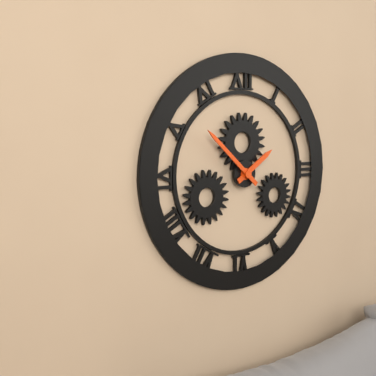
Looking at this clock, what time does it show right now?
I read 1:52
